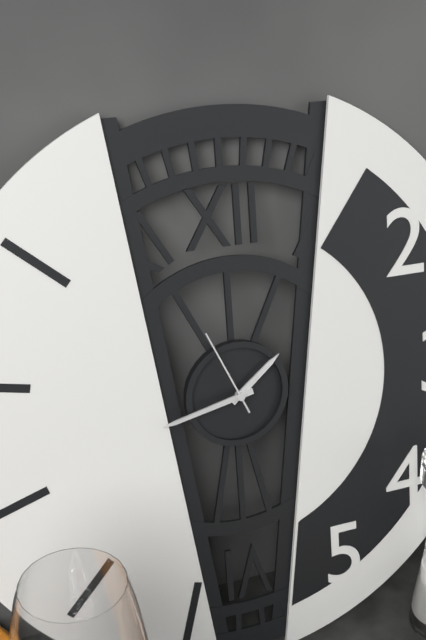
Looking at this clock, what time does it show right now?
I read 1:43:56
